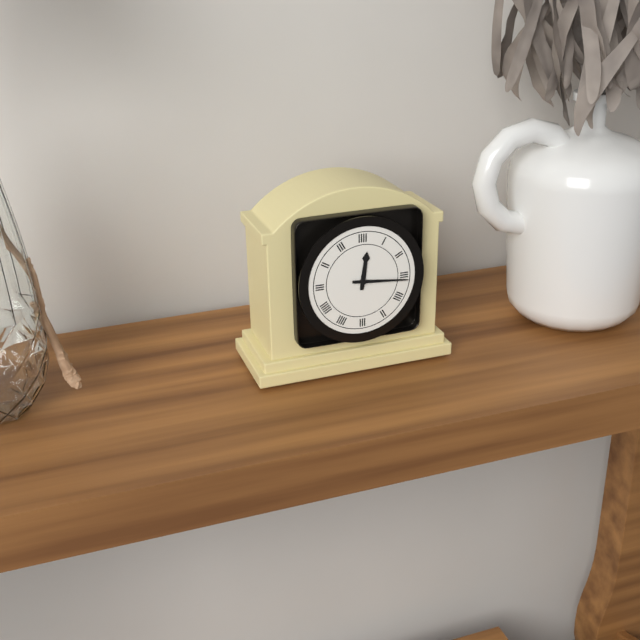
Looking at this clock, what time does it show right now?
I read 12:16
